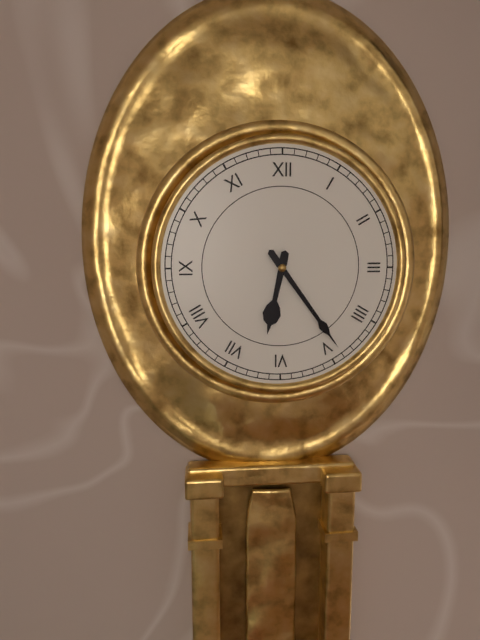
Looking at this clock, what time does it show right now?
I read 6:24
